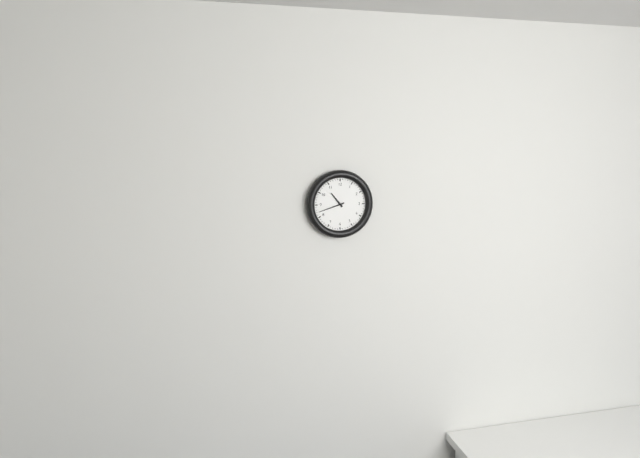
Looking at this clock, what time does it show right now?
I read 10:42
